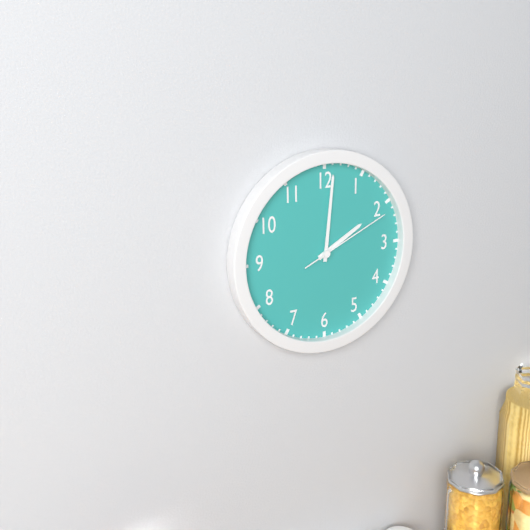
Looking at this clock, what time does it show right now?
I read 2:01:11
